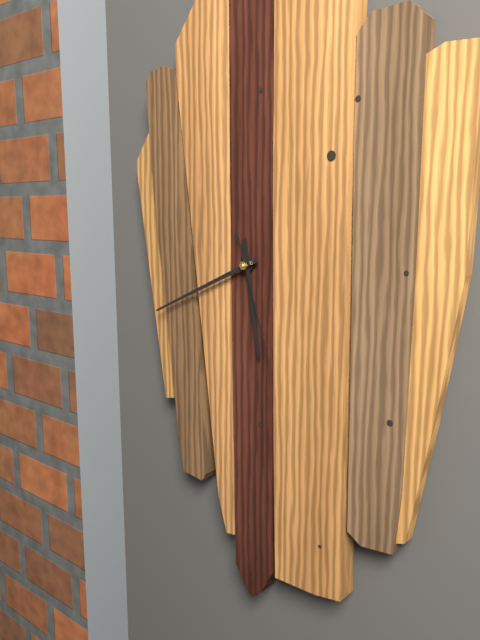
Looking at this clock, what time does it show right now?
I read 5:41:27
